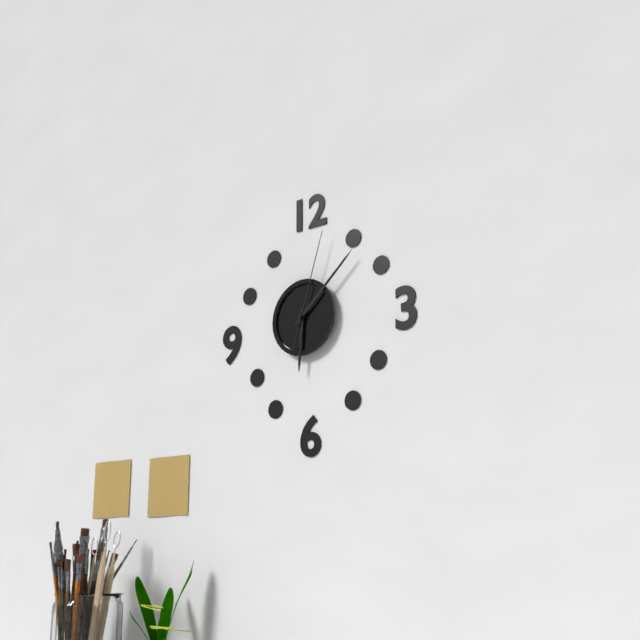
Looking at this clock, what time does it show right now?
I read 6:08:03
